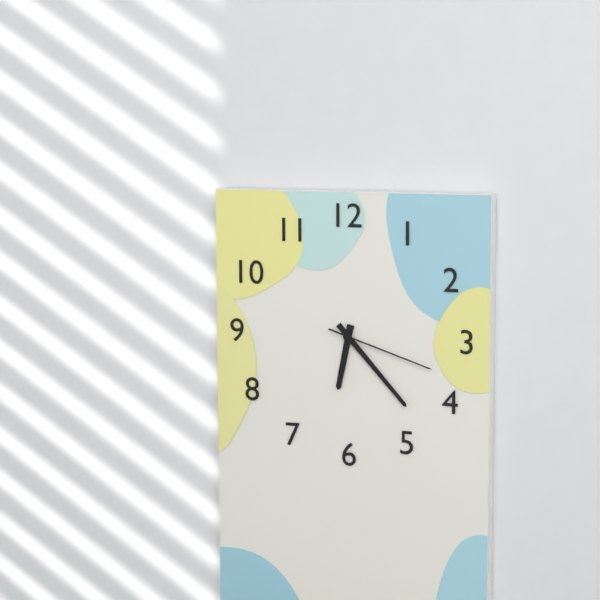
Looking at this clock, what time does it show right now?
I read 6:23:18
